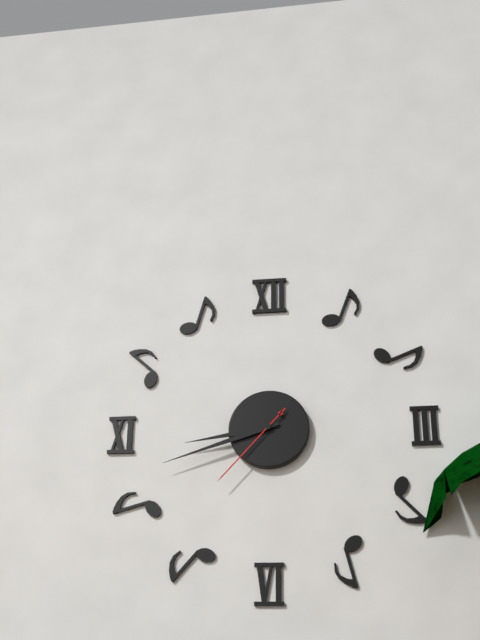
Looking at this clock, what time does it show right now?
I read 8:42:37
